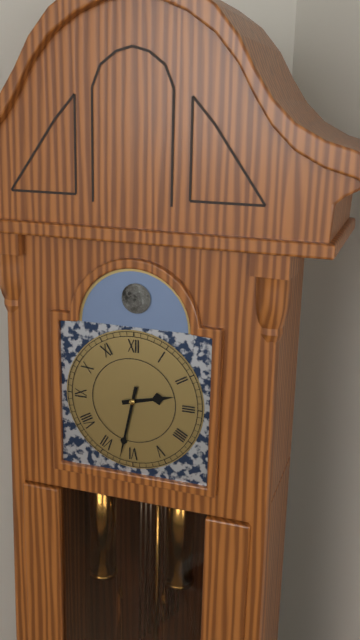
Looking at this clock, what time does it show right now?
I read 2:32
